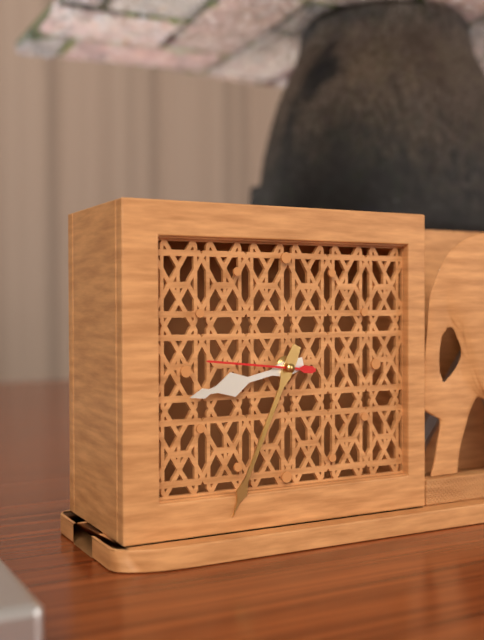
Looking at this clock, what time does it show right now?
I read 8:34:46
